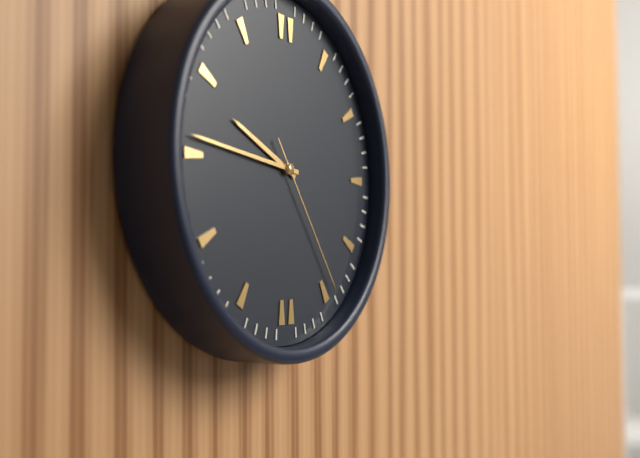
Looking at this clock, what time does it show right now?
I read 9:46:24
